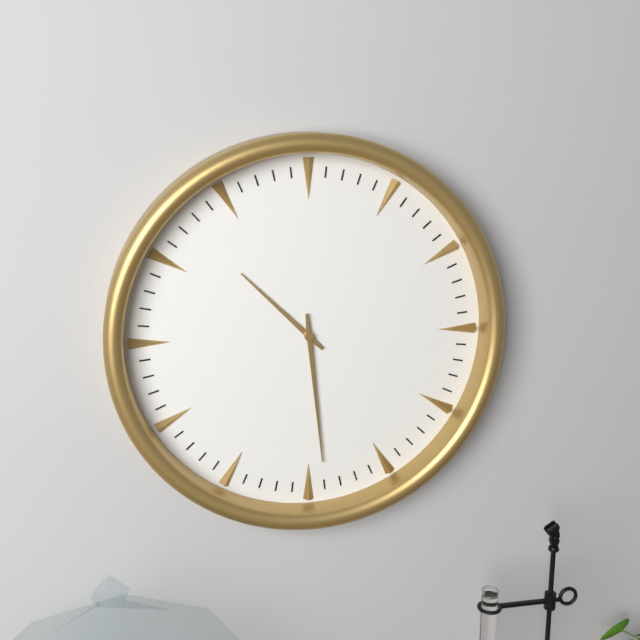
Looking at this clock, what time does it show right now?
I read 10:29
